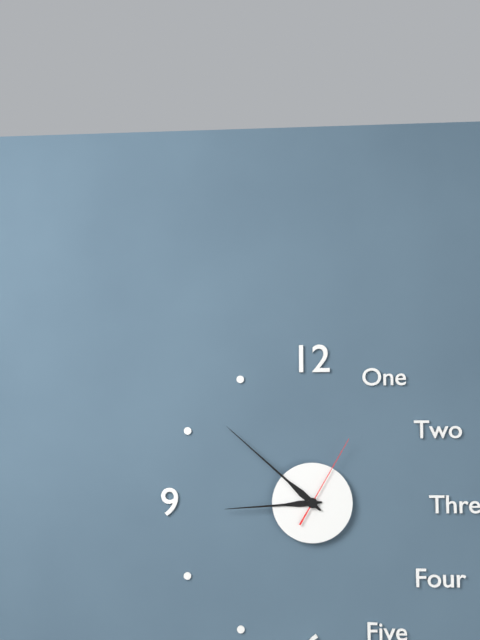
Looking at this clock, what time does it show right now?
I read 8:52:05
